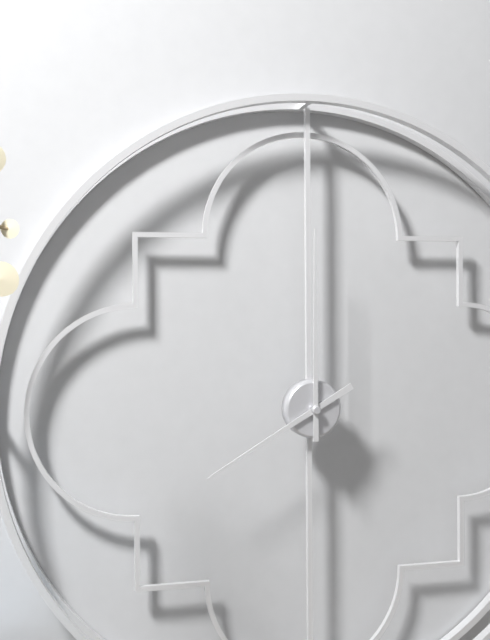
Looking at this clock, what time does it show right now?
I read 8:00
